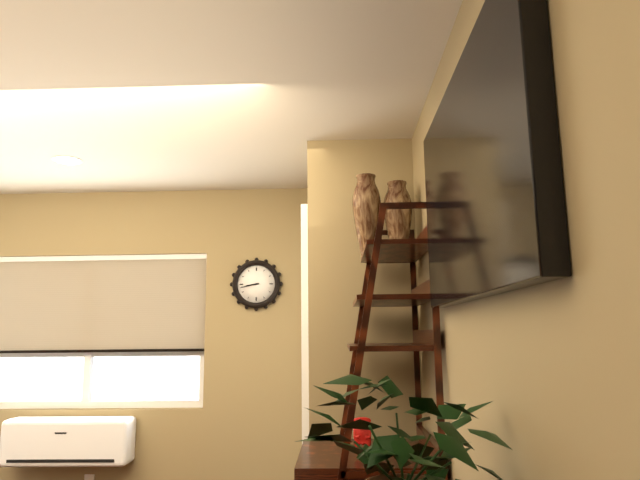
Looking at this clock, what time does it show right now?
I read 8:43
